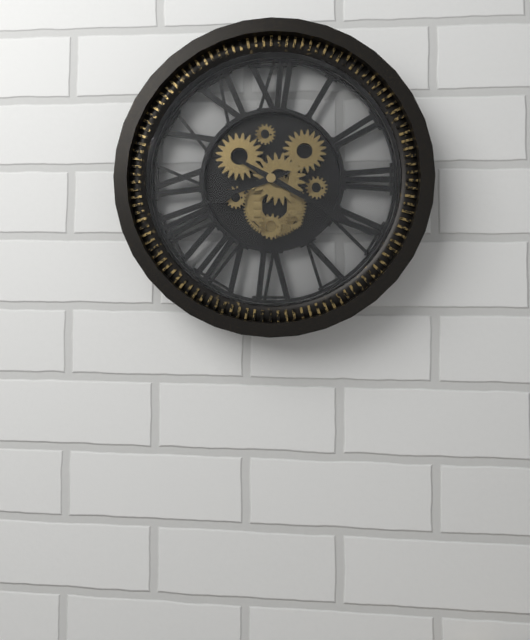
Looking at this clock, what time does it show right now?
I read 8:20
